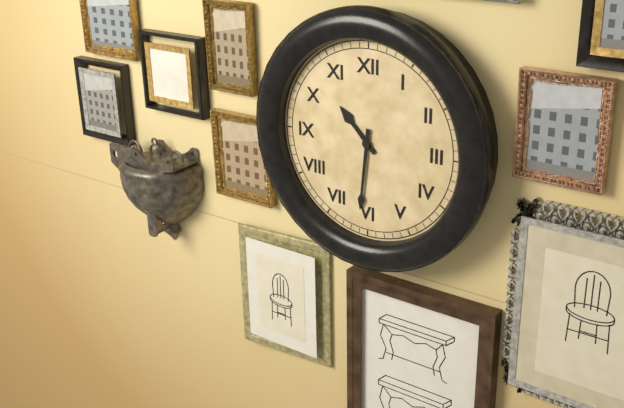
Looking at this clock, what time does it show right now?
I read 10:31
